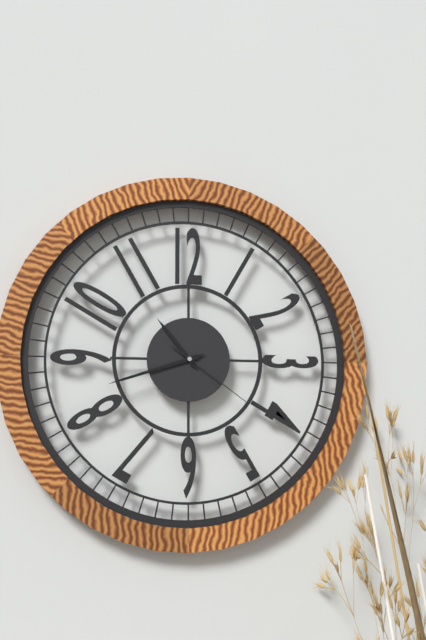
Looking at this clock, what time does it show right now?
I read 10:42:21
